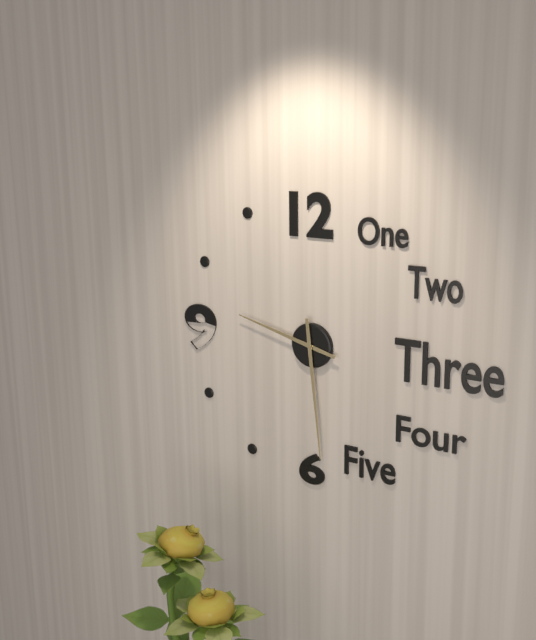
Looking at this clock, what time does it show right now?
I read 9:29
